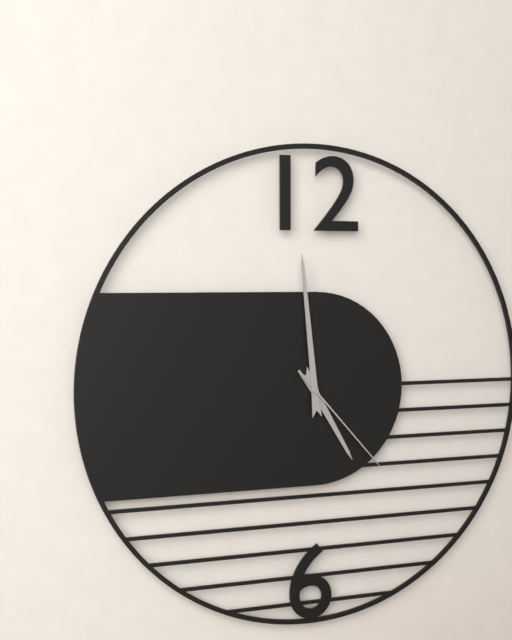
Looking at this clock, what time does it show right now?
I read 4:59:23
